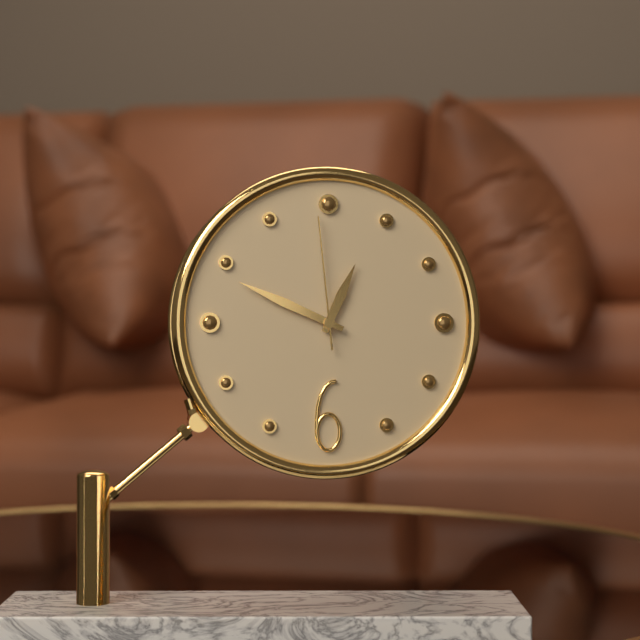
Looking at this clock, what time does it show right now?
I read 12:49:59
